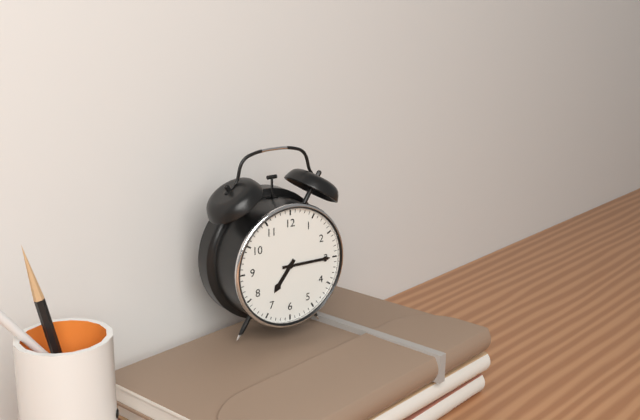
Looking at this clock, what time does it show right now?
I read 7:15
